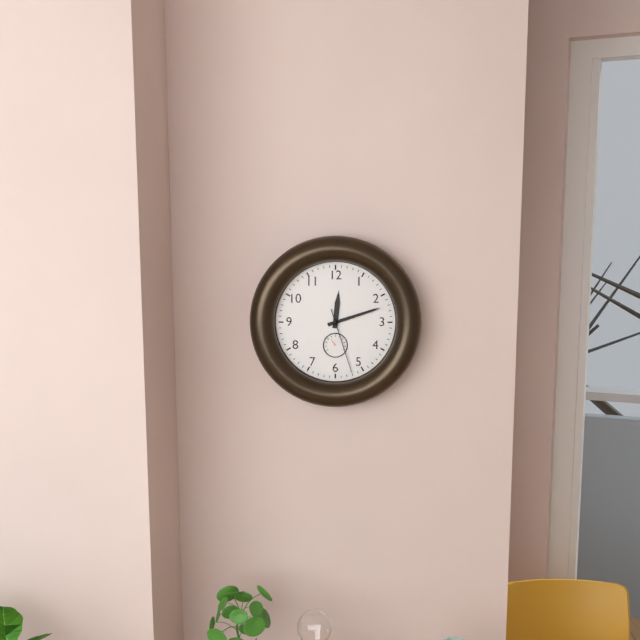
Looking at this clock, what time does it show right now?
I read 12:12:27
